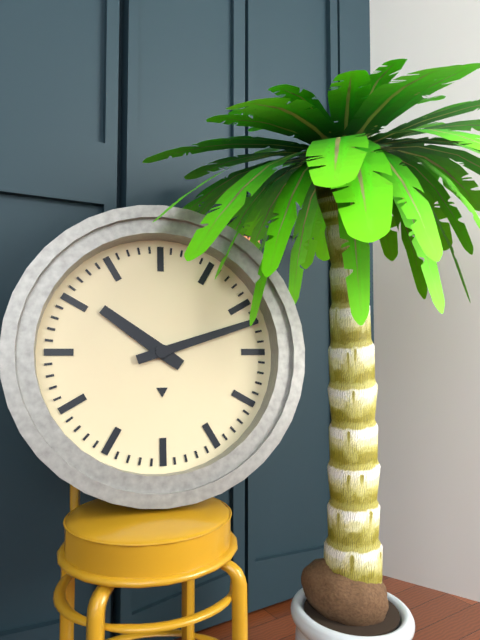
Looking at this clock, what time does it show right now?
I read 10:12
